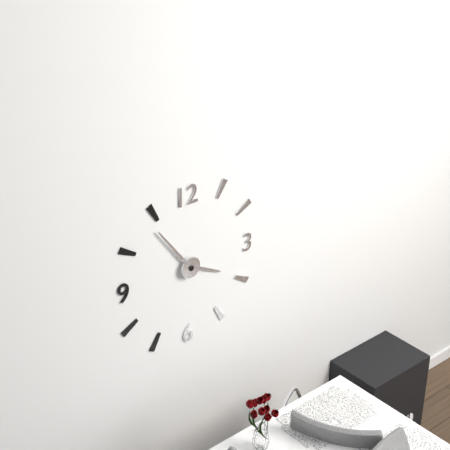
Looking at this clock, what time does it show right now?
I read 3:54
